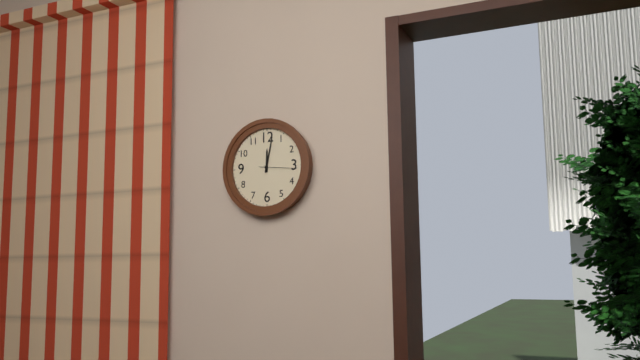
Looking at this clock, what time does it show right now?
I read 12:02
